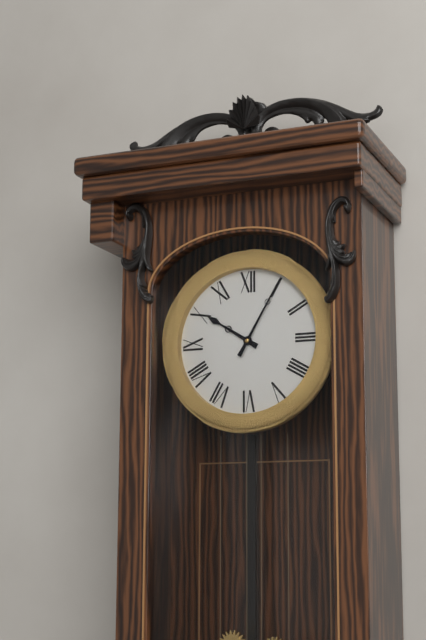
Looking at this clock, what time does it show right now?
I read 10:05
